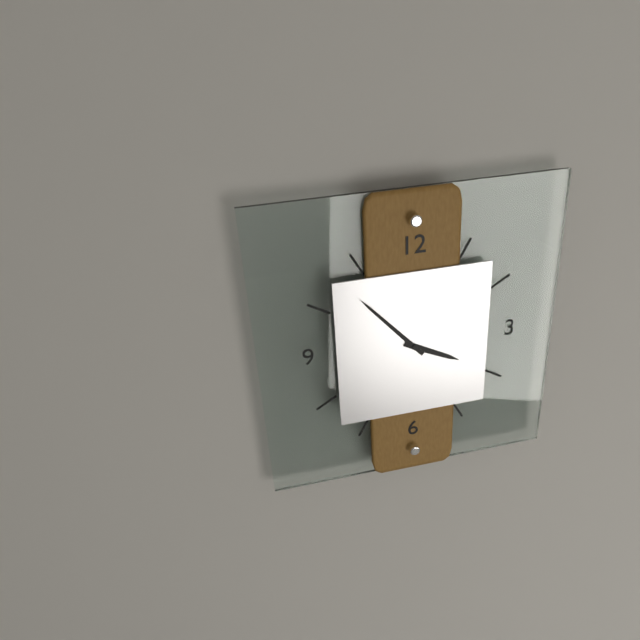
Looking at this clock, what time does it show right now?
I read 3:53
